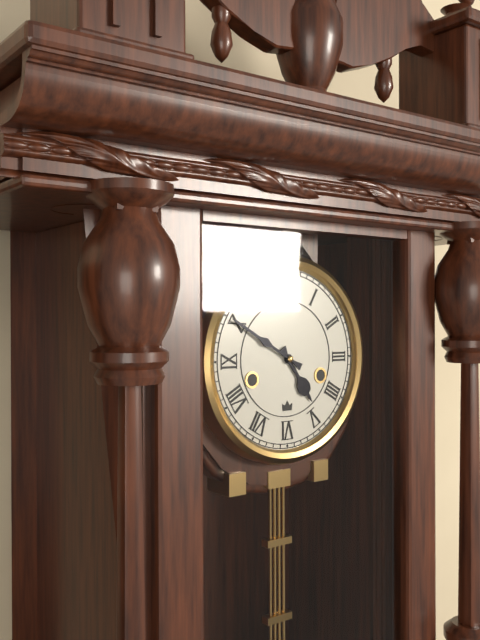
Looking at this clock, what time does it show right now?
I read 4:50
